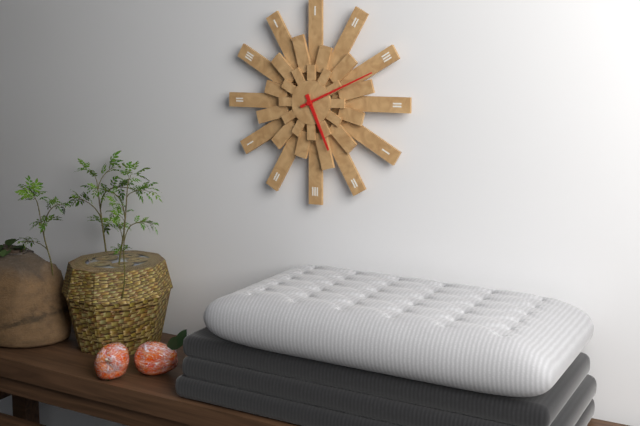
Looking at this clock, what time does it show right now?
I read 5:11
